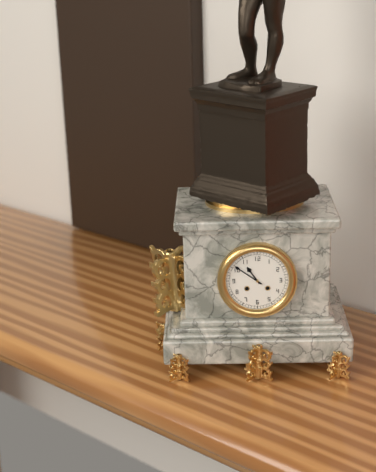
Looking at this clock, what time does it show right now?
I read 10:51
